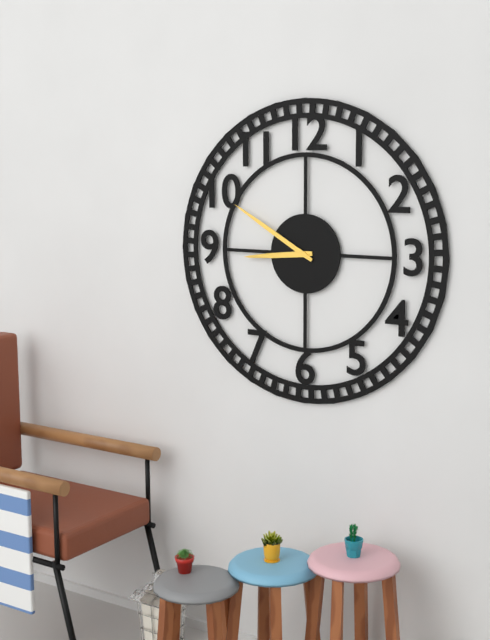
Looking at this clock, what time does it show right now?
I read 8:50
